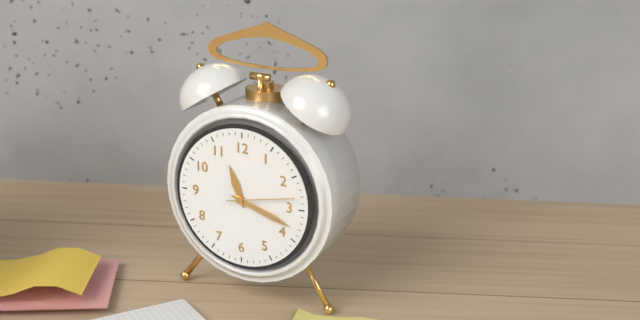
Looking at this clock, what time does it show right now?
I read 11:18:13
